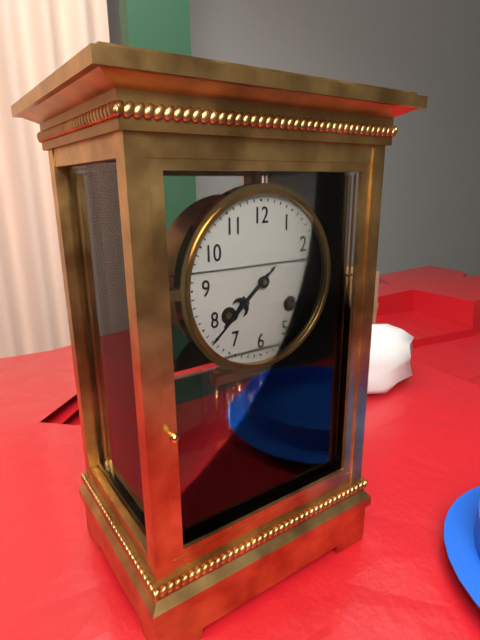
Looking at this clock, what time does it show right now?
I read 7:38
